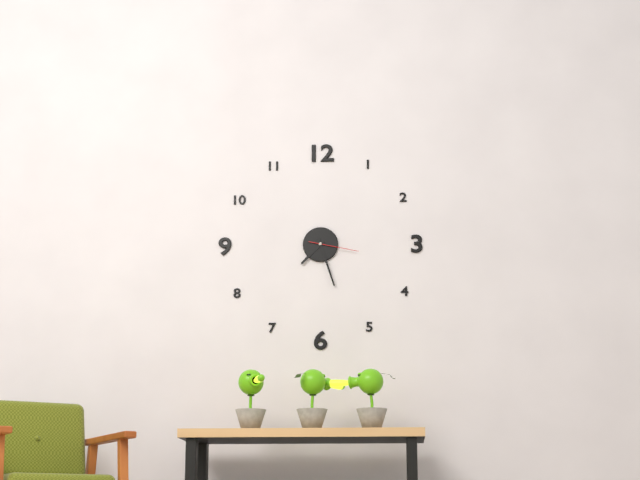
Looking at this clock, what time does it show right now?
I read 7:27
